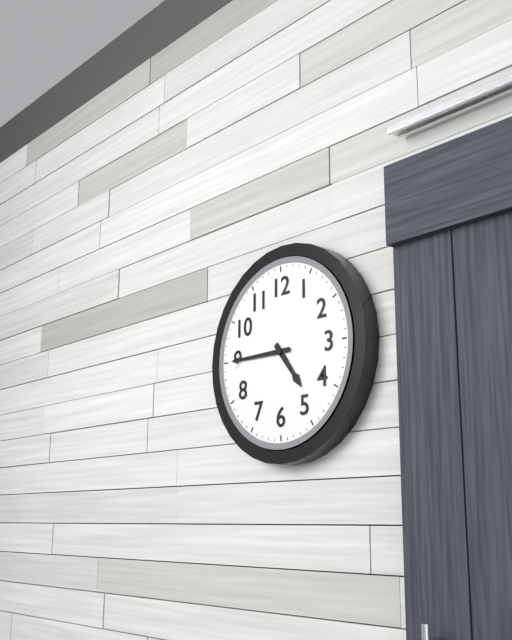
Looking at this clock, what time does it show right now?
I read 4:45
